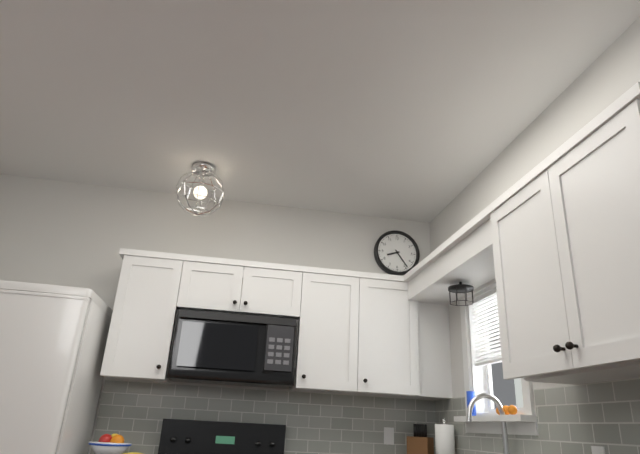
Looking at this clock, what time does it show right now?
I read 8:24
